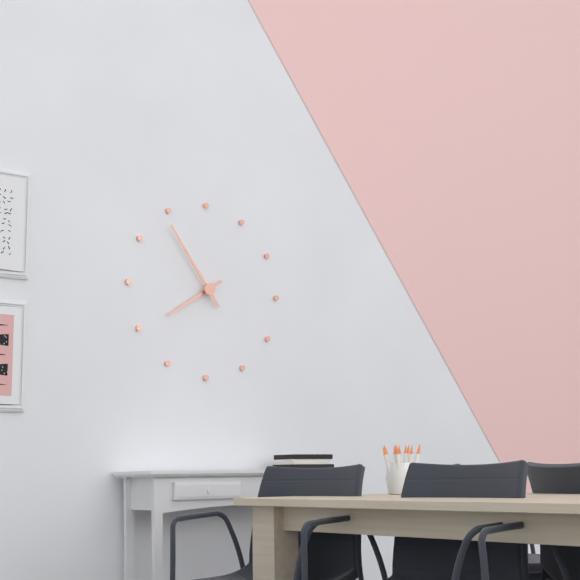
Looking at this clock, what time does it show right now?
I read 7:54
